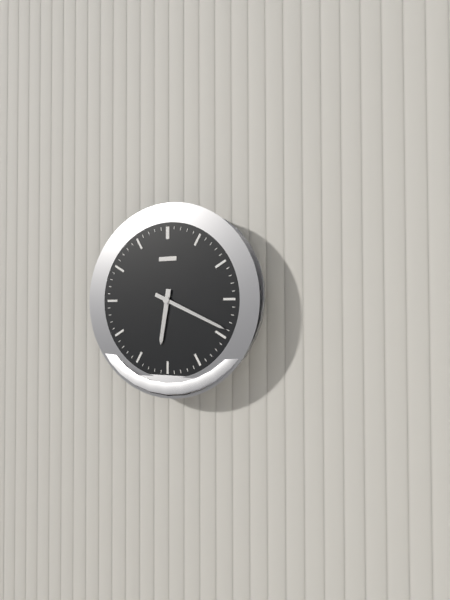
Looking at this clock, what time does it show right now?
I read 6:19
